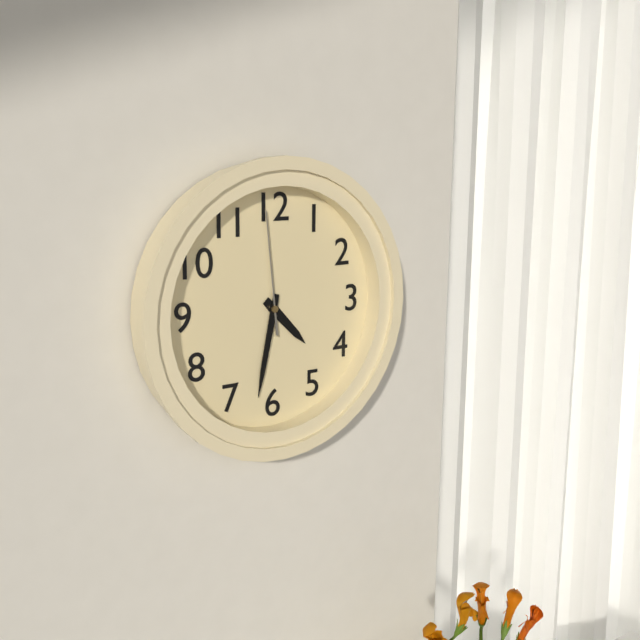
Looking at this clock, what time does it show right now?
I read 4:32:59
